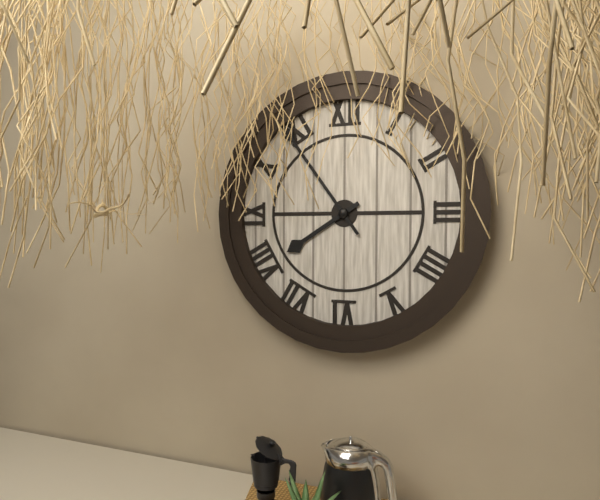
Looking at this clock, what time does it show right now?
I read 7:54
